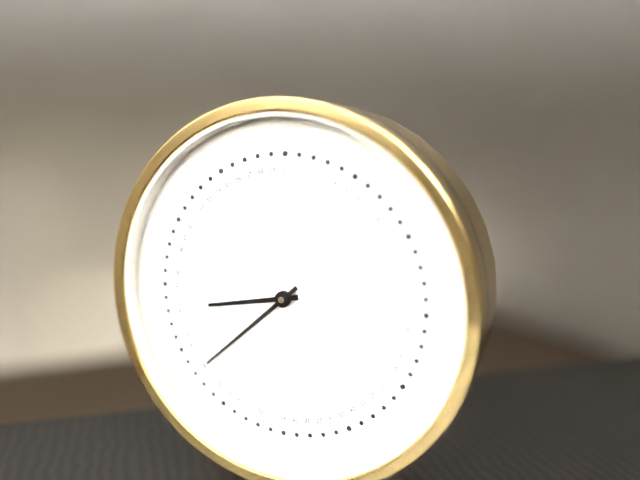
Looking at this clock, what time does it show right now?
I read 8:38
